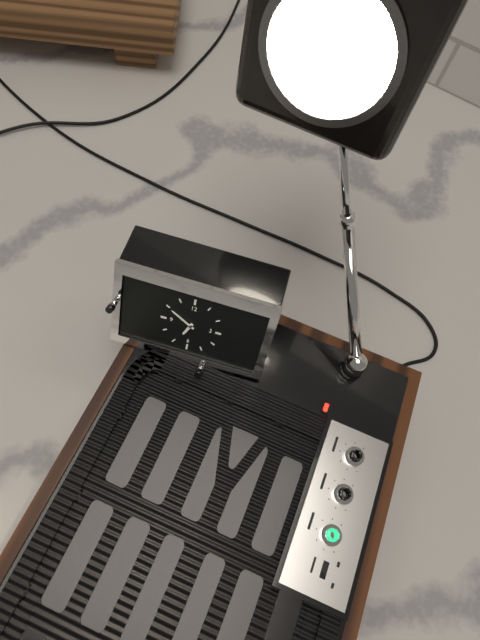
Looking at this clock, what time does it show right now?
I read 6:50
